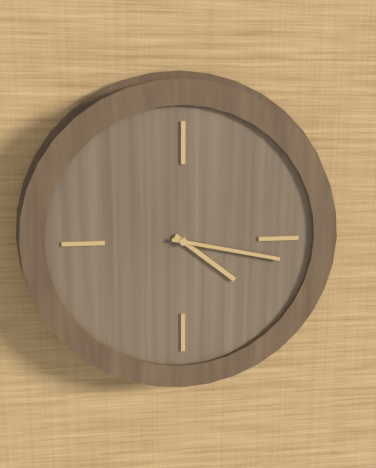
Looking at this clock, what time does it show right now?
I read 4:17
